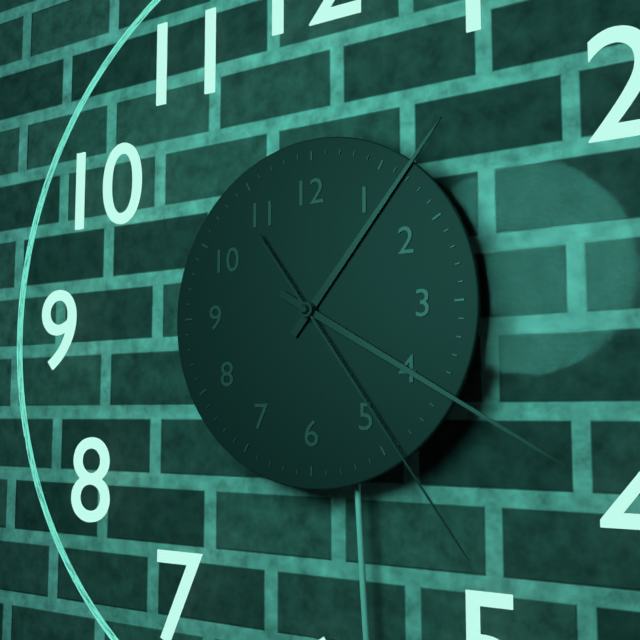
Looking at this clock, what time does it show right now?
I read 1:20:24
